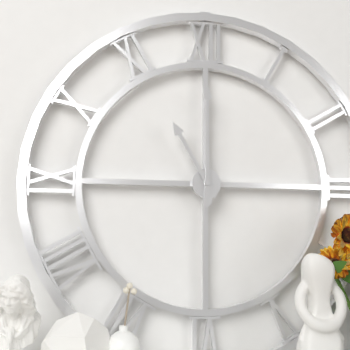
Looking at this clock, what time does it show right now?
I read 11:00
